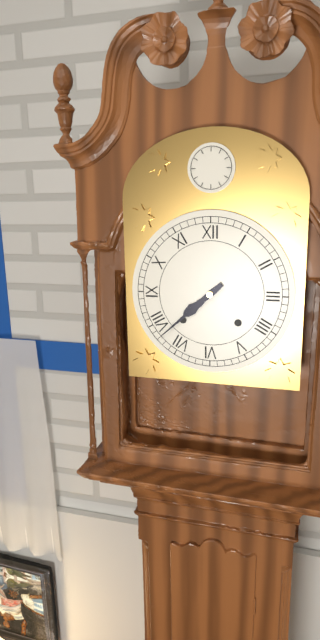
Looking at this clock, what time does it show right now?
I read 7:38
